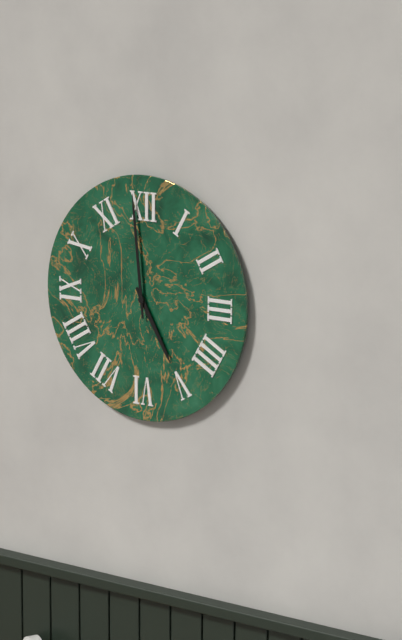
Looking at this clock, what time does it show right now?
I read 4:59
